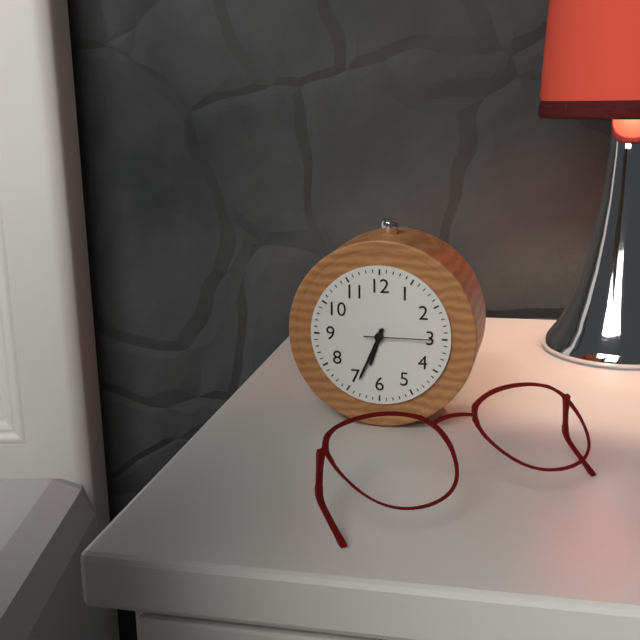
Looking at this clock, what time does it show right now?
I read 6:34:15
